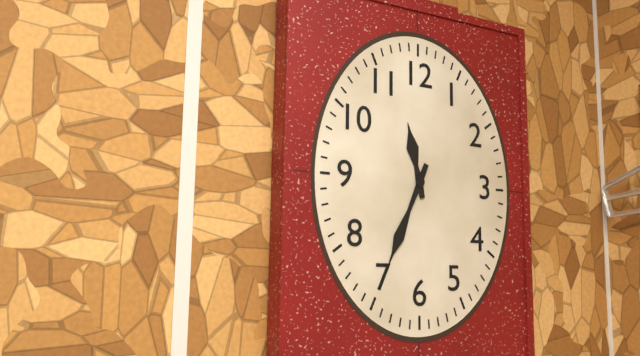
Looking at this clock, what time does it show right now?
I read 11:34
